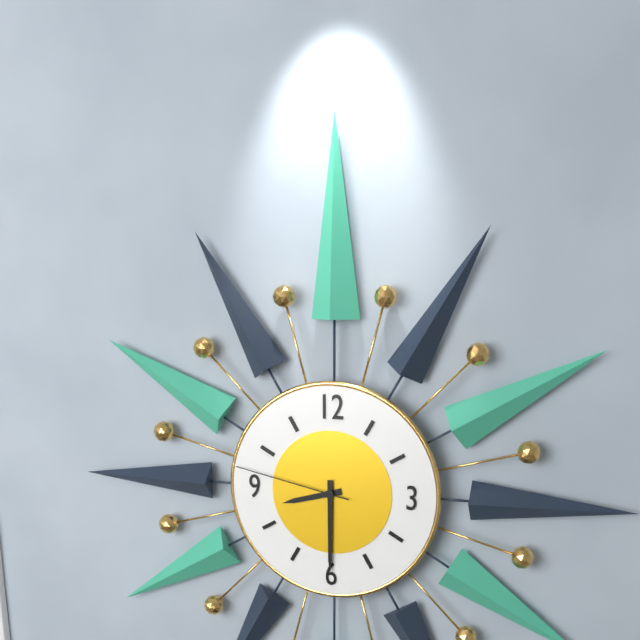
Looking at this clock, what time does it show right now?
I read 8:30:47
